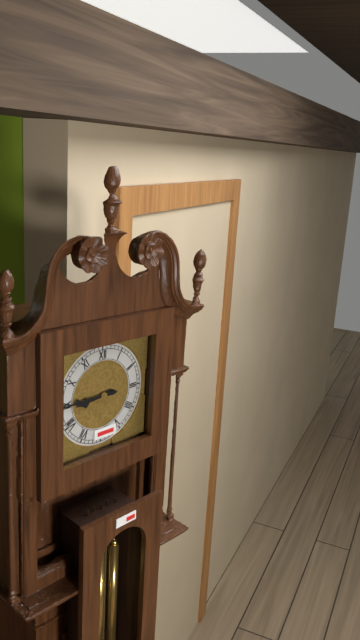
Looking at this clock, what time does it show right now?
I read 8:45
